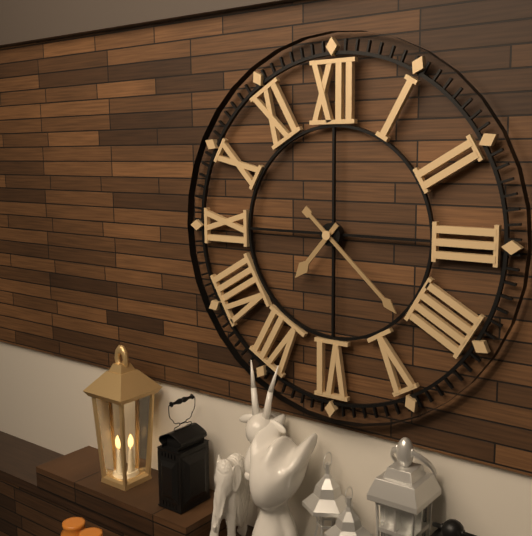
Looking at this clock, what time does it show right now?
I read 7:22
